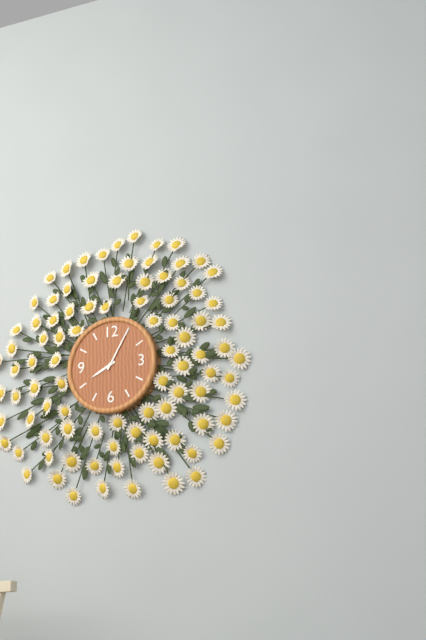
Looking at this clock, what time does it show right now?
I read 8:05
